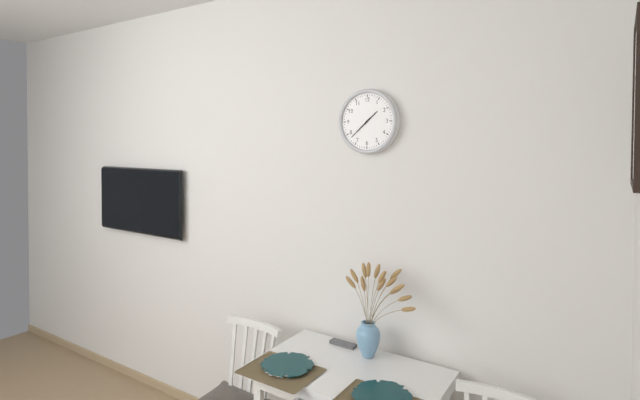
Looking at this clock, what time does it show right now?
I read 1:38
